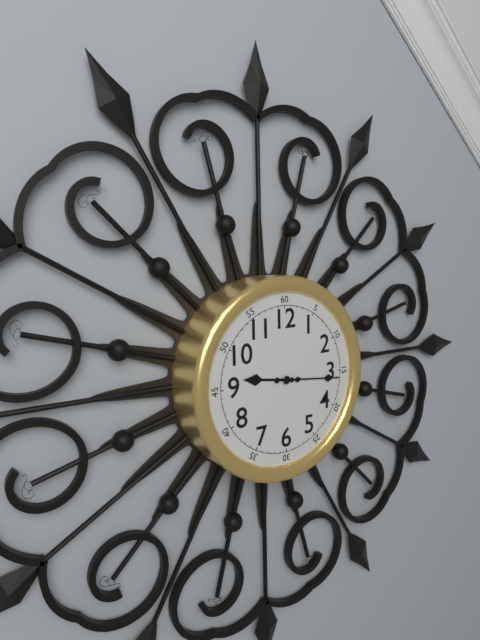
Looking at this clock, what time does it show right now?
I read 9:16
